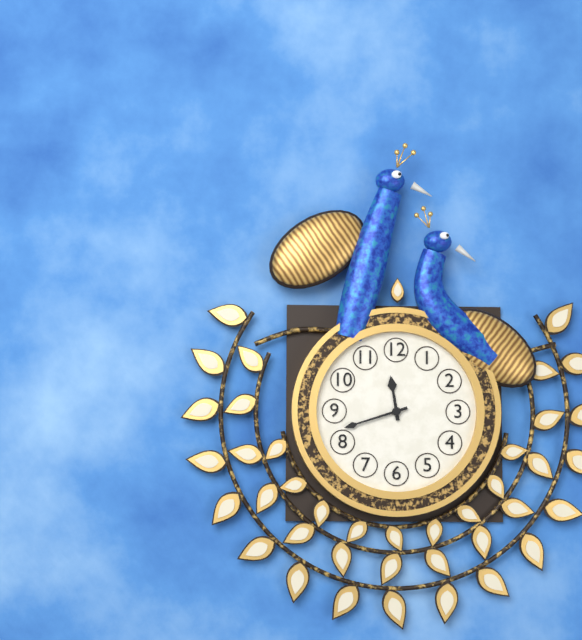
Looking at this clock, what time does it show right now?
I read 11:42
